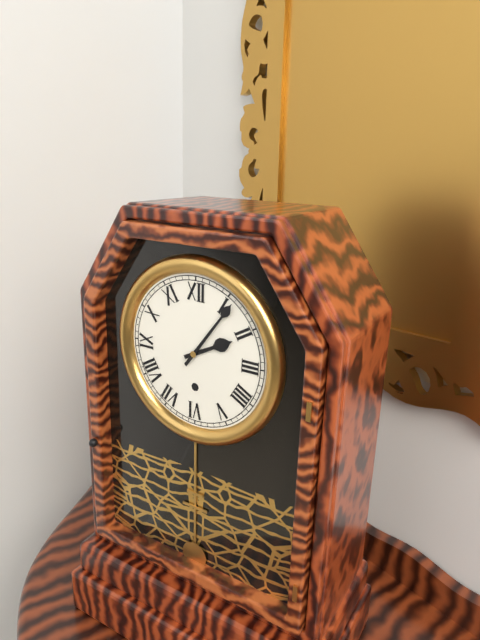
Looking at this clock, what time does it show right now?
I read 2:06
